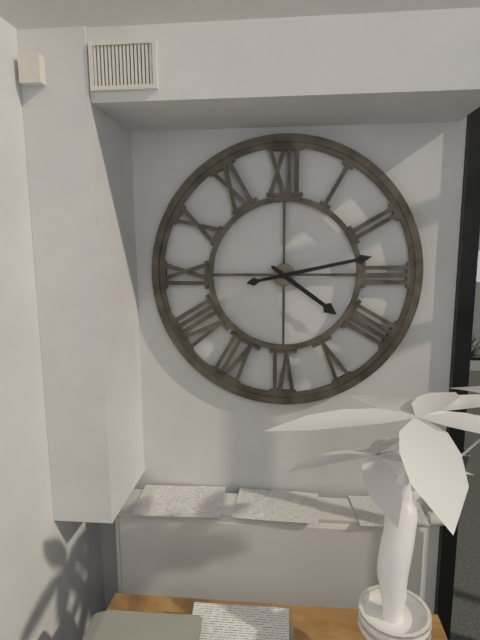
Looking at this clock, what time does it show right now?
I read 4:13
